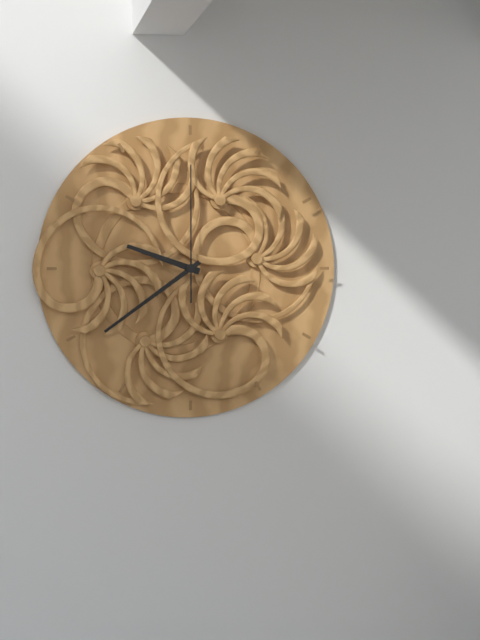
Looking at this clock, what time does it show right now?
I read 9:39:00
